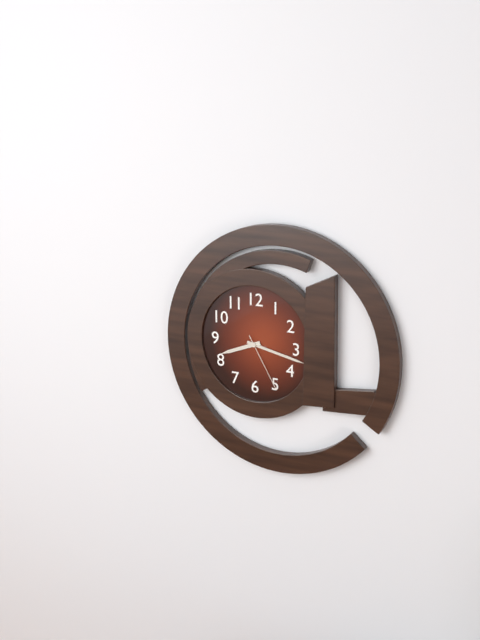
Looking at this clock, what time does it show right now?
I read 8:17:25
